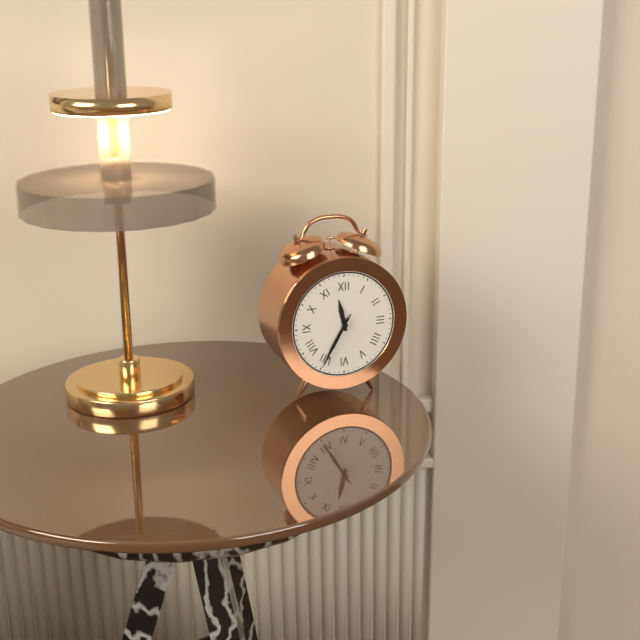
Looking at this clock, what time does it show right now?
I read 11:35:35
